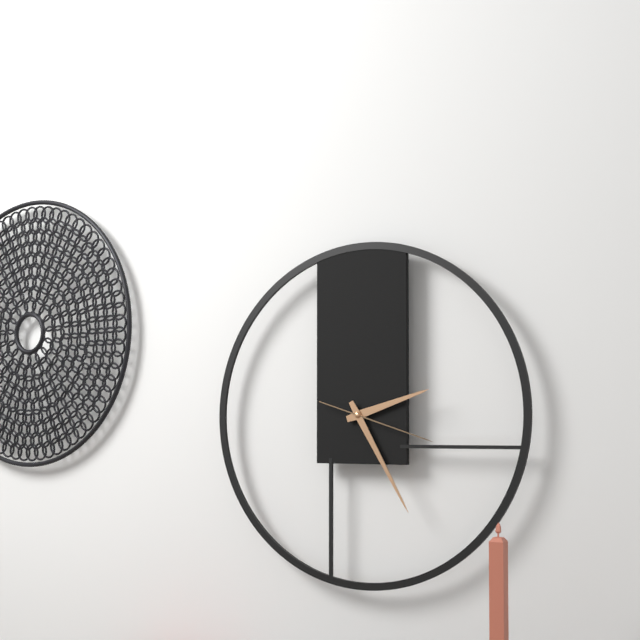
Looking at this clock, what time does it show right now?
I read 2:25:18
